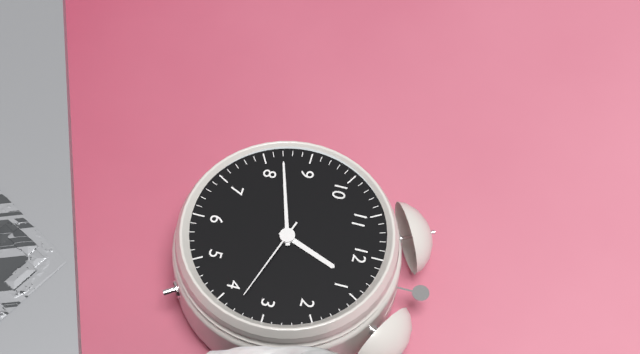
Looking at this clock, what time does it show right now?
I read 12:42:18
